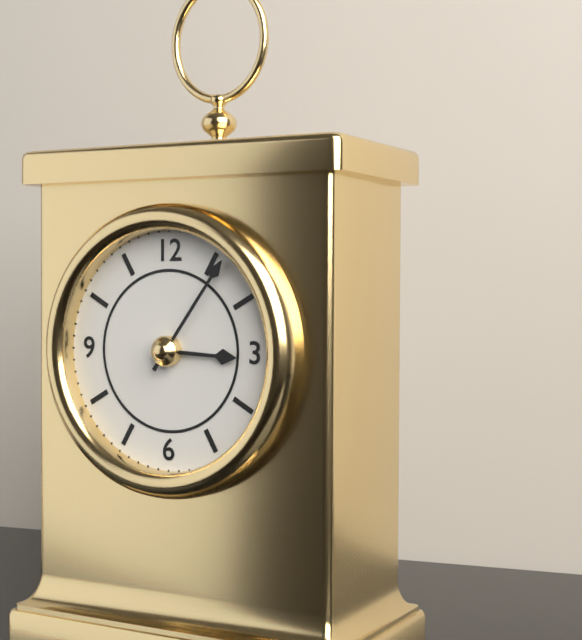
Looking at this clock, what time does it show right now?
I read 3:06
